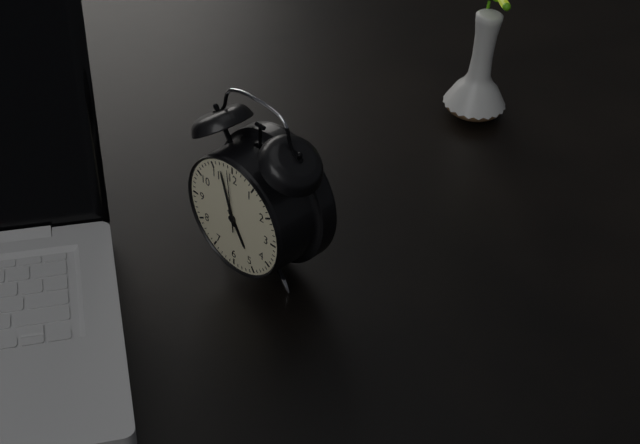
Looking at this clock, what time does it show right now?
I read 4:57:59
